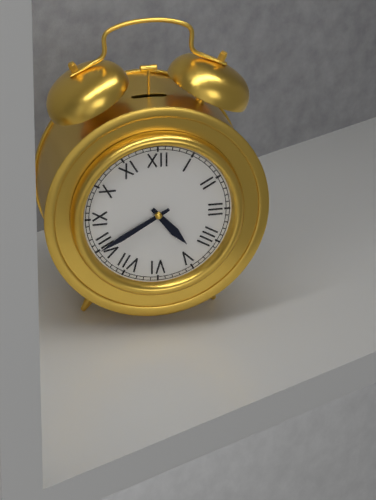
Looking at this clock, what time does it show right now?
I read 4:40
